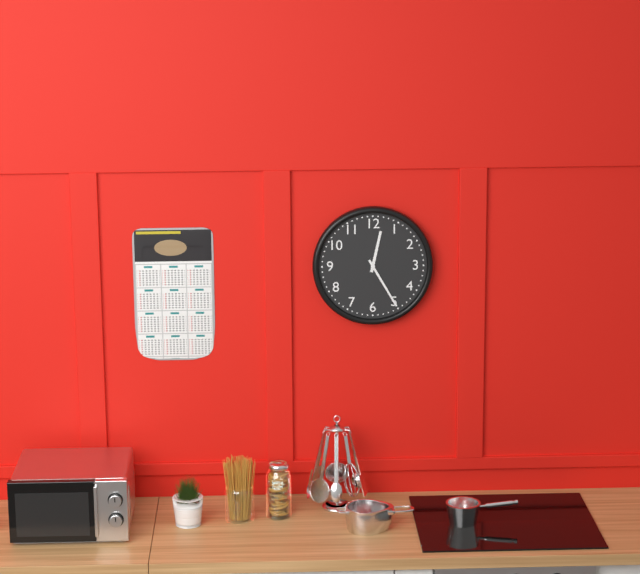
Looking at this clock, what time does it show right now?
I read 12:25
